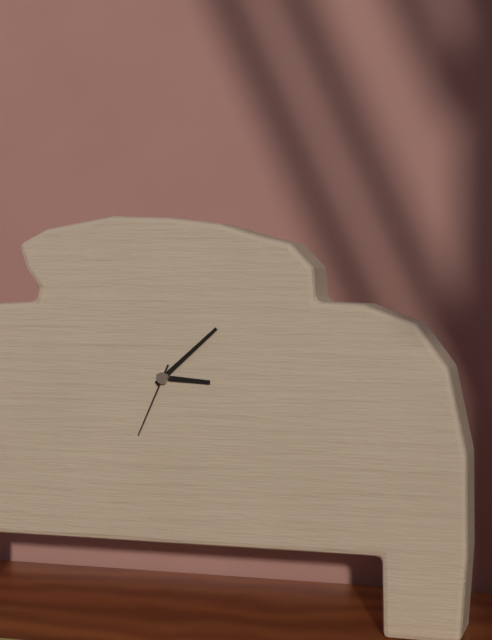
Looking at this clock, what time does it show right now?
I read 3:08:34
